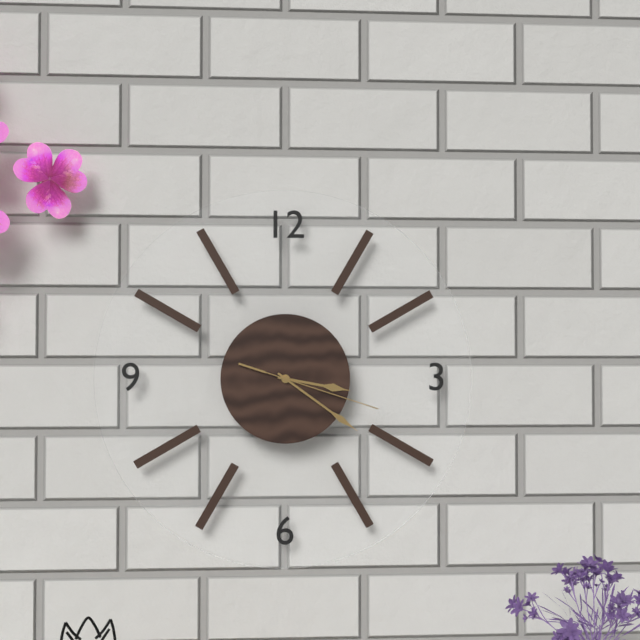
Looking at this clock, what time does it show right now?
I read 3:21:18
